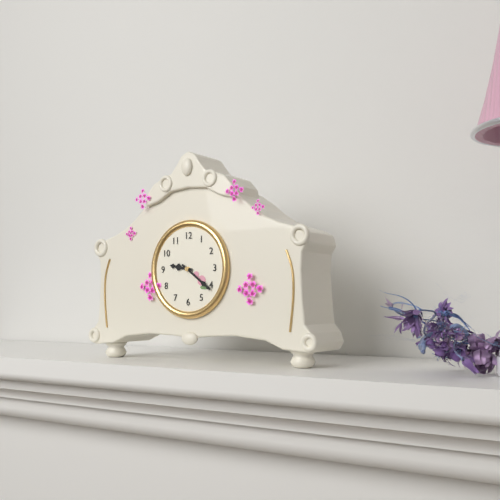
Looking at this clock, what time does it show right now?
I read 9:21
